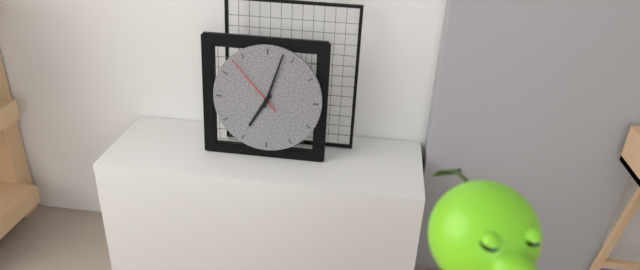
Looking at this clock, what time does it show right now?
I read 7:03:53
